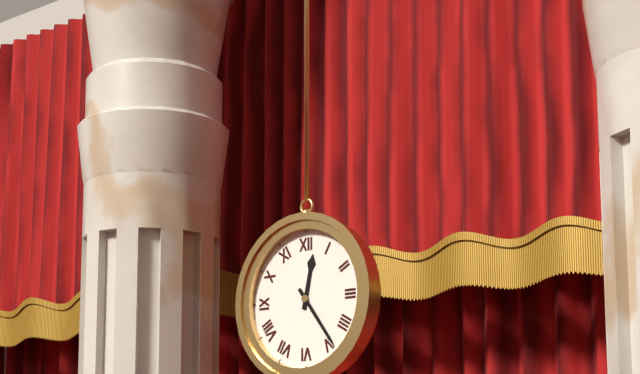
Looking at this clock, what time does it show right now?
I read 12:24
